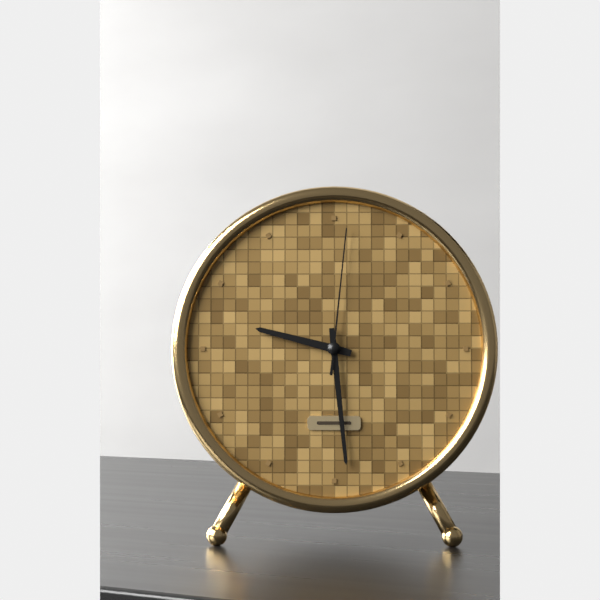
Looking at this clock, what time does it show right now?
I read 9:29:01
